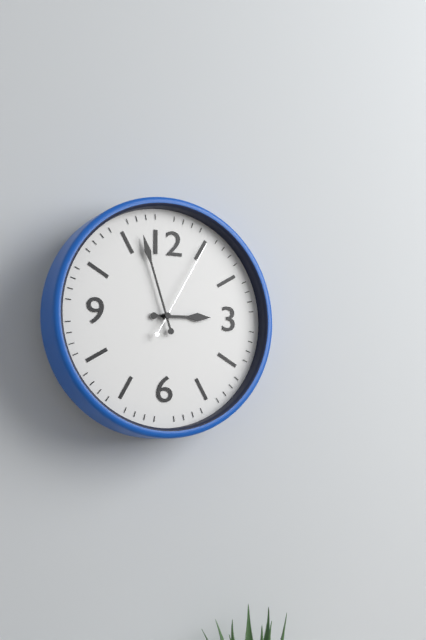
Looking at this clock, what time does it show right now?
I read 2:57:05
